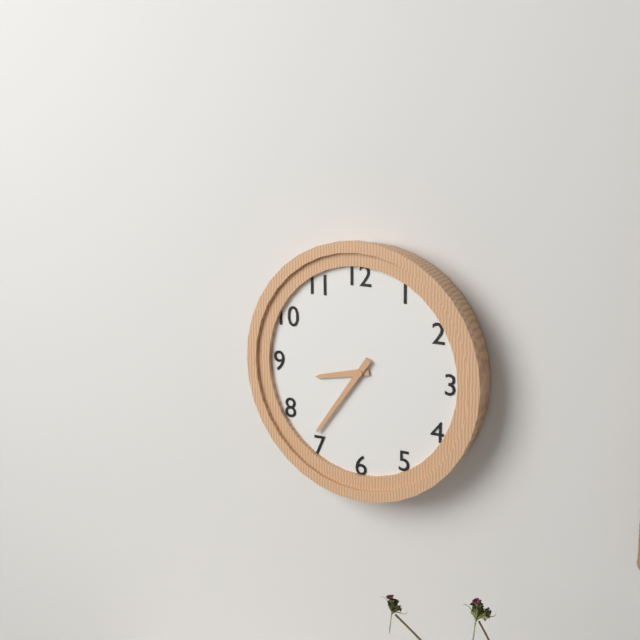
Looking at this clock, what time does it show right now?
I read 8:36
